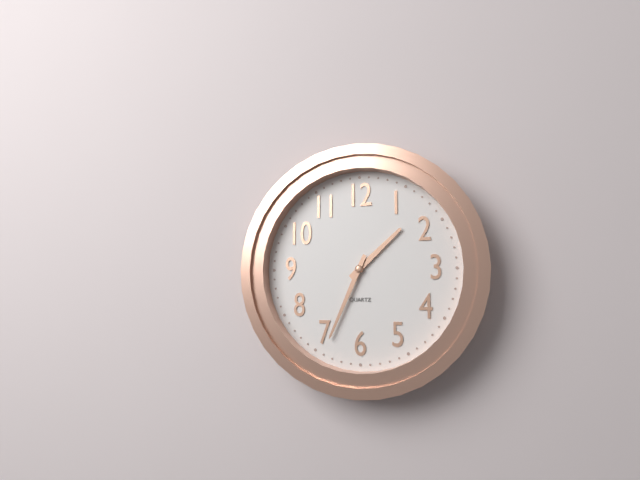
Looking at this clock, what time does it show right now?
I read 1:34
